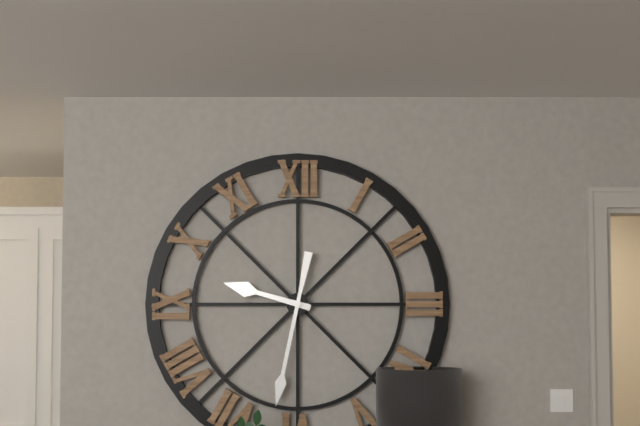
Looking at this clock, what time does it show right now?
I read 9:32
